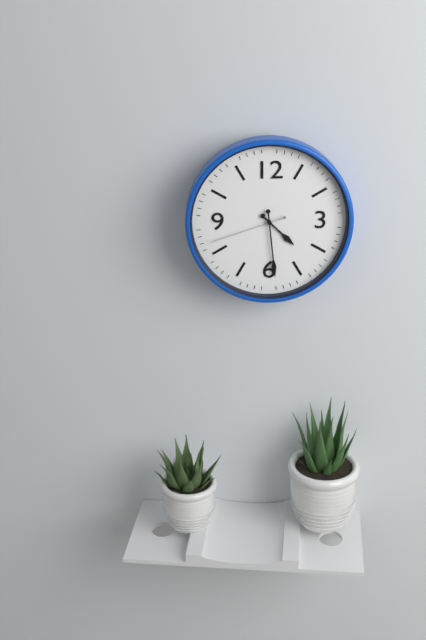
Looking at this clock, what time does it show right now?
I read 4:29:42
